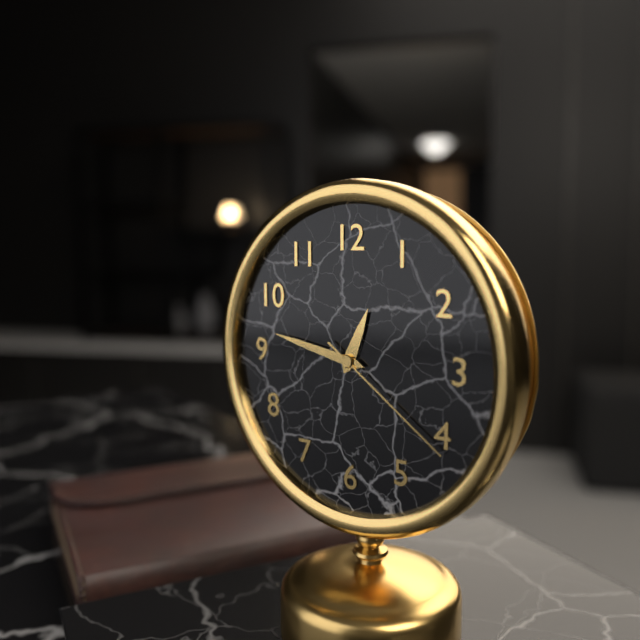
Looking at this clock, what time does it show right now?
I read 12:47:21
